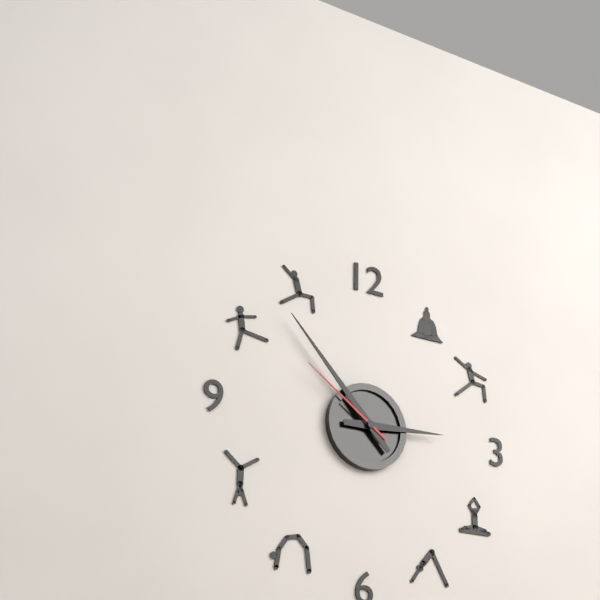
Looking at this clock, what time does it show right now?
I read 2:53:51
